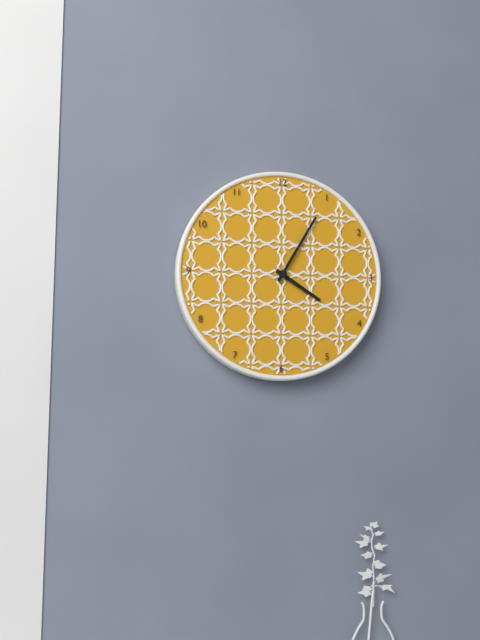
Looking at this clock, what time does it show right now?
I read 4:05
